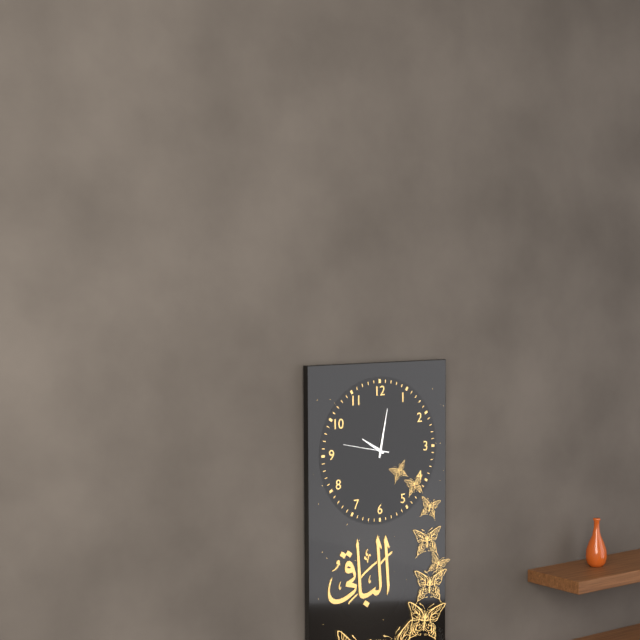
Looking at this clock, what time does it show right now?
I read 10:02
